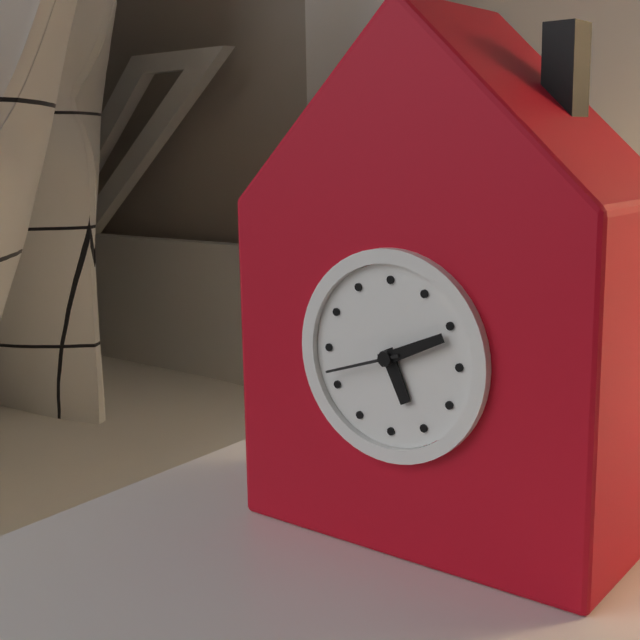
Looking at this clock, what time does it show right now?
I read 5:11:42
